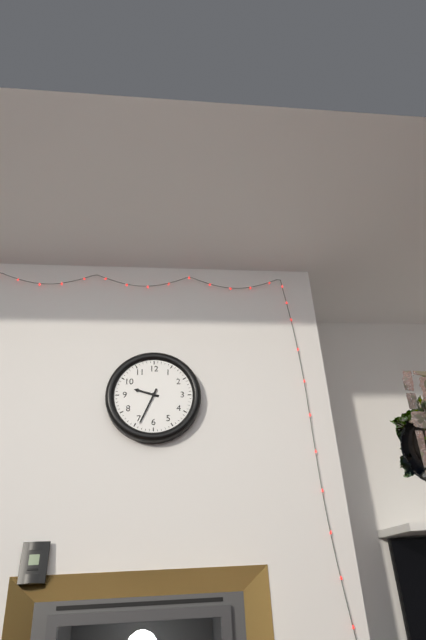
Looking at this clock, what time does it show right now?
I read 9:34
